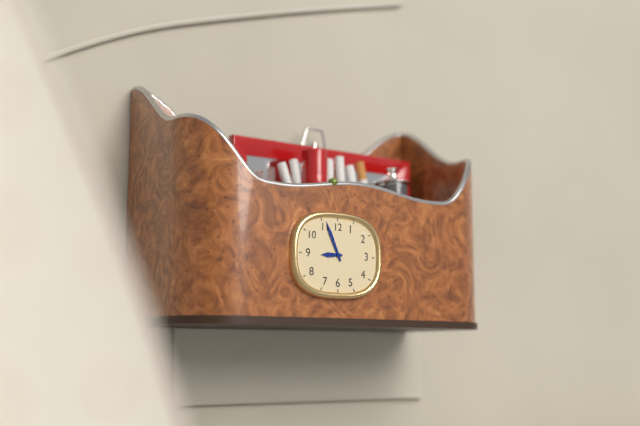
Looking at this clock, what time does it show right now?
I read 8:56
